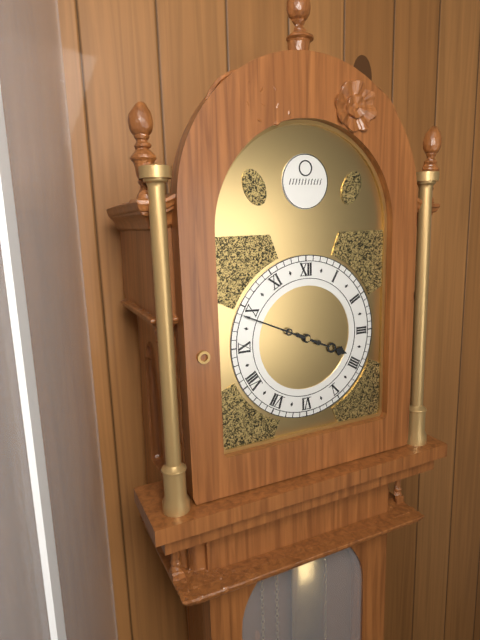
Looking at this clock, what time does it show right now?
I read 3:49
